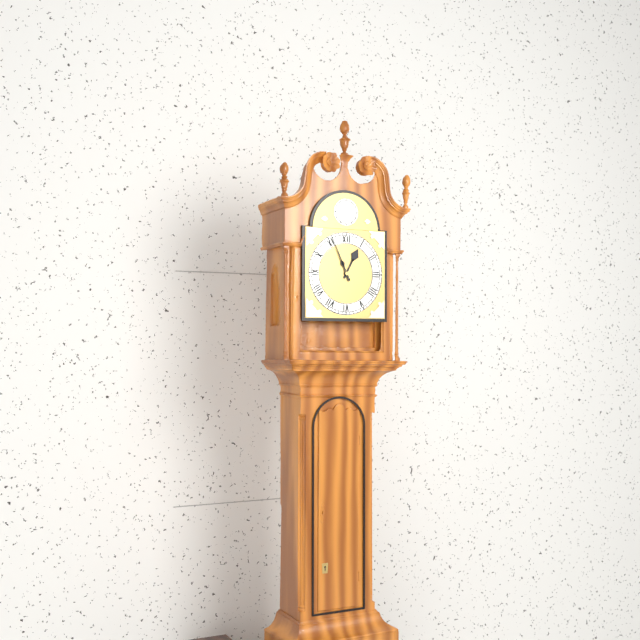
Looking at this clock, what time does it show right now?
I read 12:56
